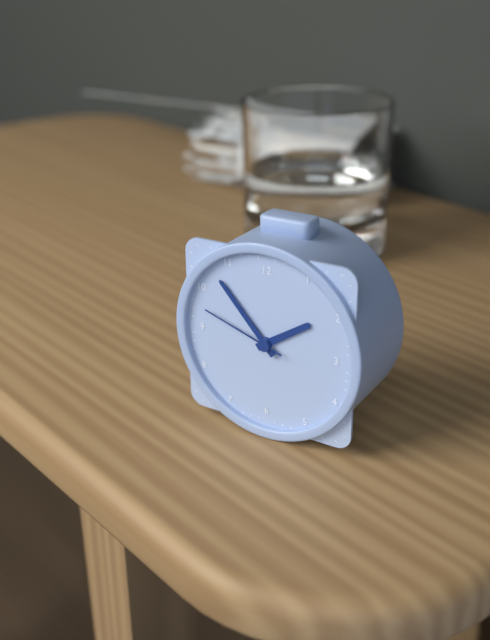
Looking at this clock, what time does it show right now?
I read 1:53:48
